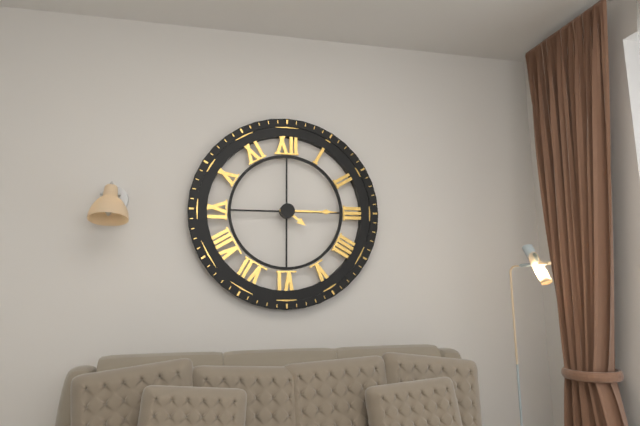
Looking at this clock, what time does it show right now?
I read 4:15
